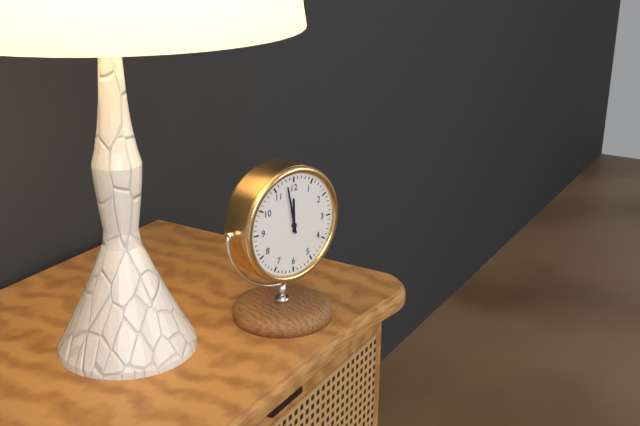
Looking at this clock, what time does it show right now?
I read 11:58
